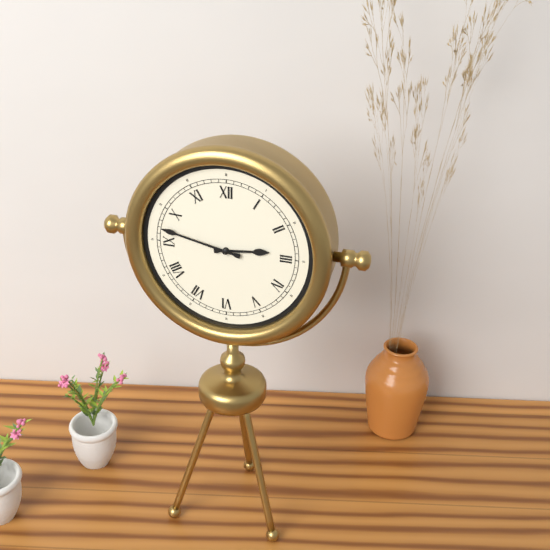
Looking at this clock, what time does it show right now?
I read 2:47
